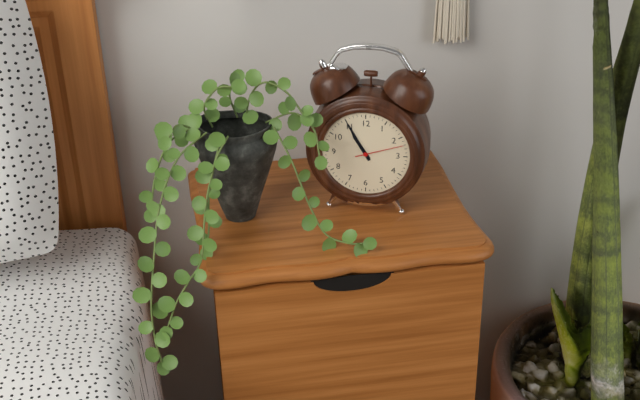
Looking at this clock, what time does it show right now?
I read 10:55
